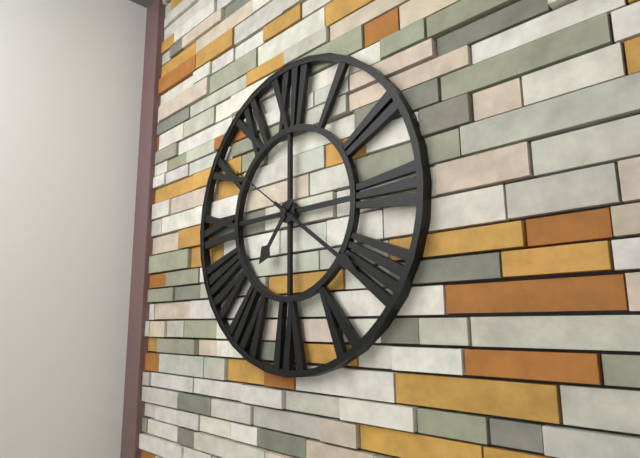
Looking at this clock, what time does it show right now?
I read 7:21:51
